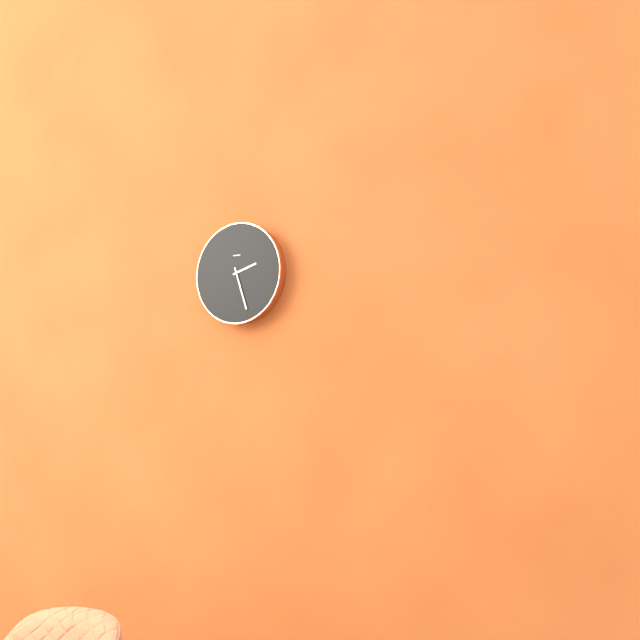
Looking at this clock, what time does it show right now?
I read 2:27
